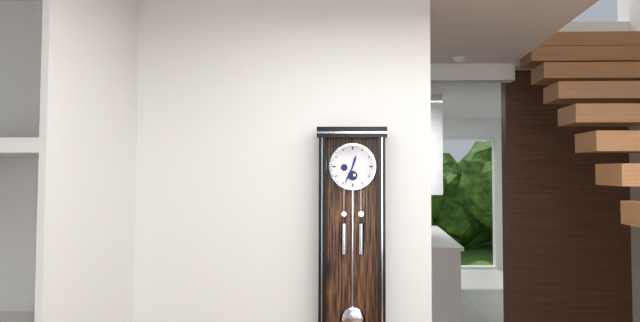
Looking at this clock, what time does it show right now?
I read 12:34
